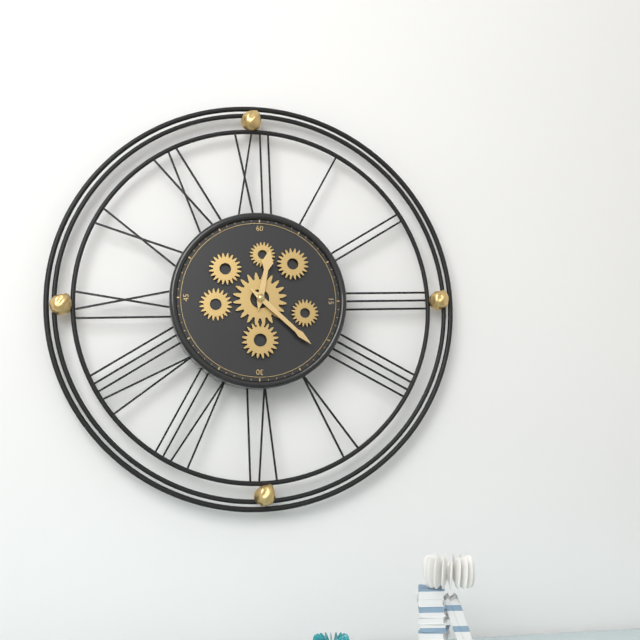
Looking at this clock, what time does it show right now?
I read 12:22
